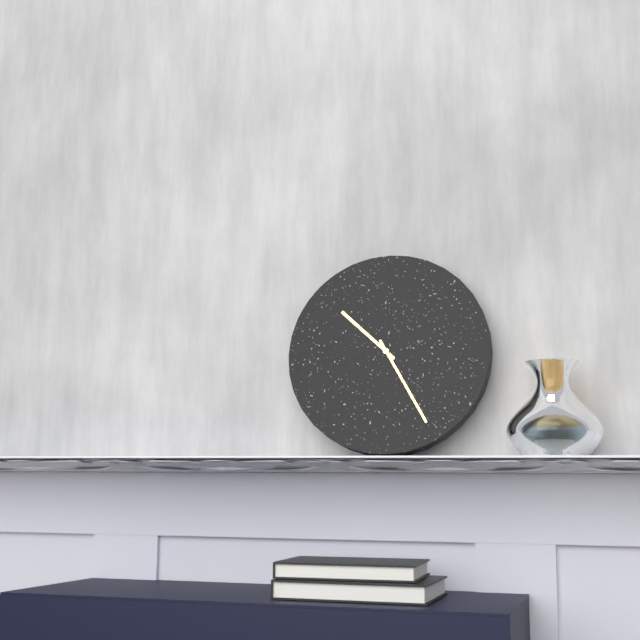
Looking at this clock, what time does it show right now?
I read 10:25
